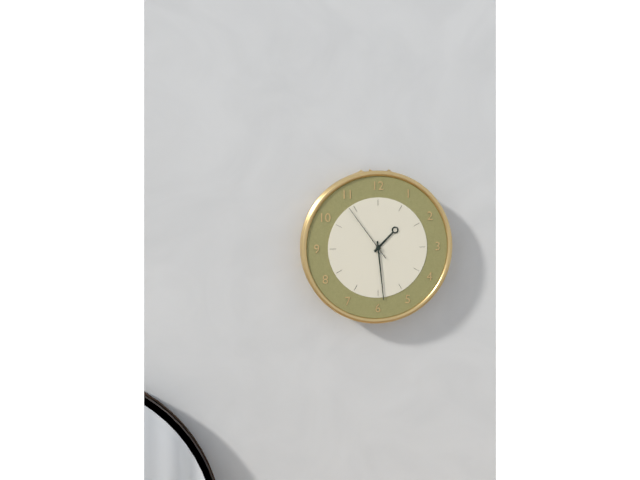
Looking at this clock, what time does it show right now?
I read 1:29:54
